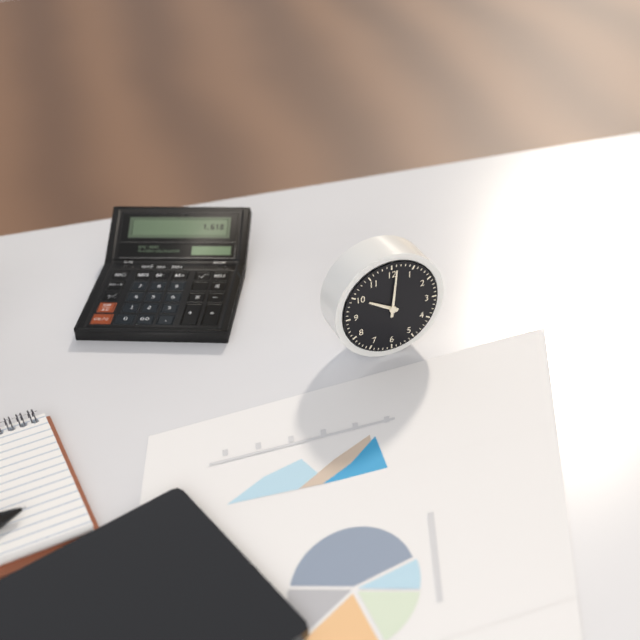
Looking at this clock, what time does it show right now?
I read 10:01
